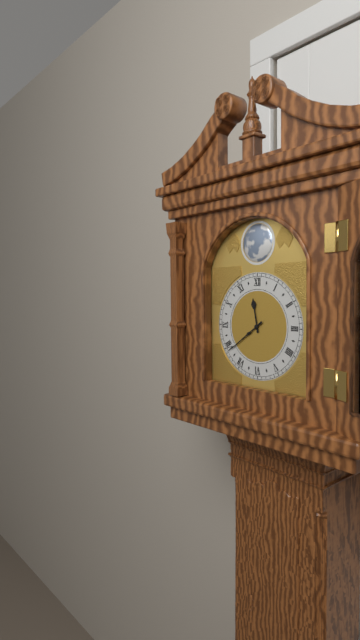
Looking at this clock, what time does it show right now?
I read 11:39
